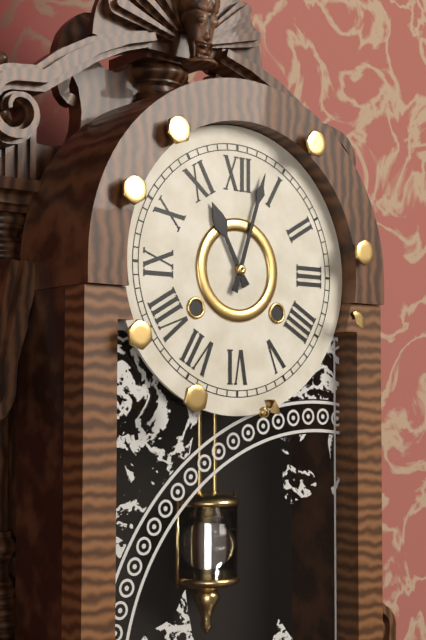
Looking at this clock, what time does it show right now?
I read 11:03
